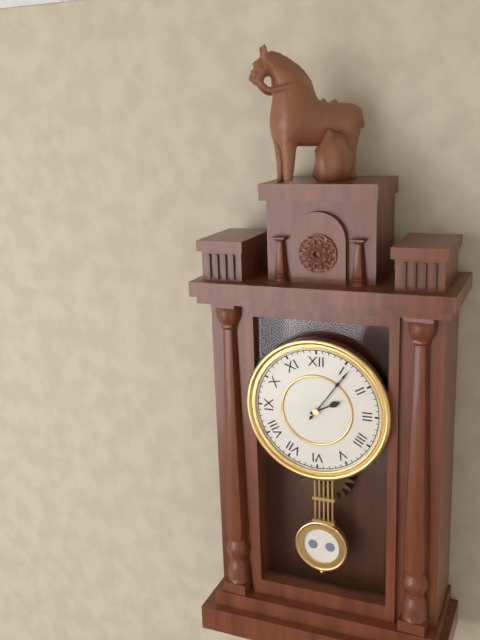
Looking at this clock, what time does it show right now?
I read 2:06
